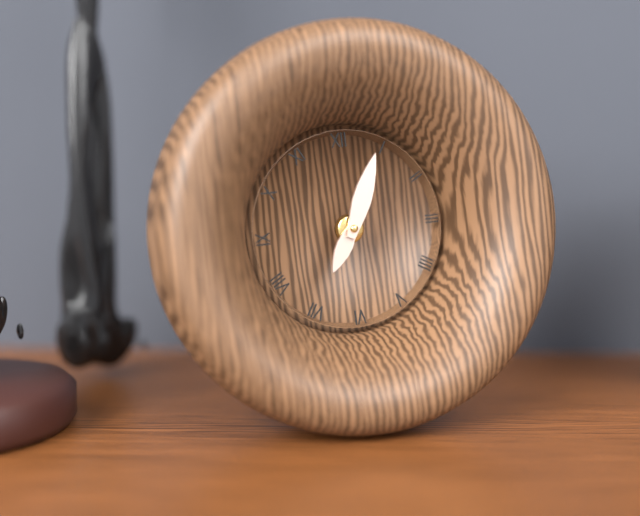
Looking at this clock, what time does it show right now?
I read 7:04
